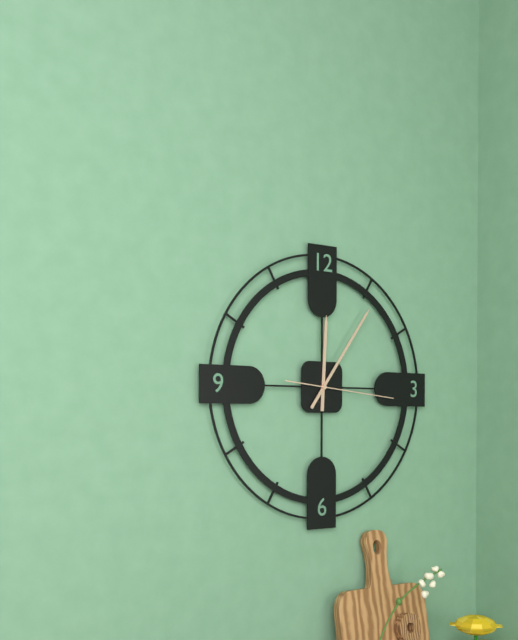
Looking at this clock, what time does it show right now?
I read 12:06:16
